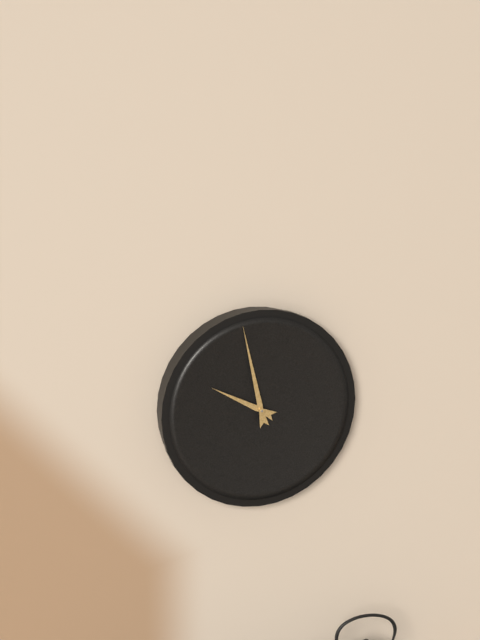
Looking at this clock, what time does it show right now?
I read 9:58
